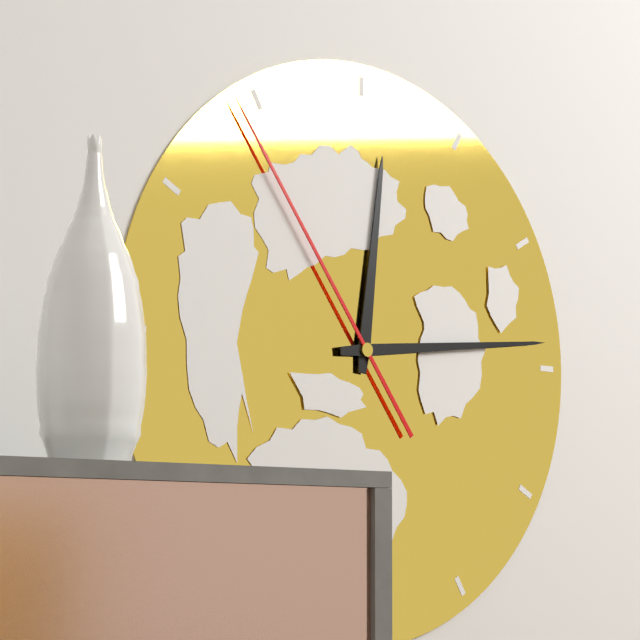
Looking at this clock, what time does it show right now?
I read 12:14:54
